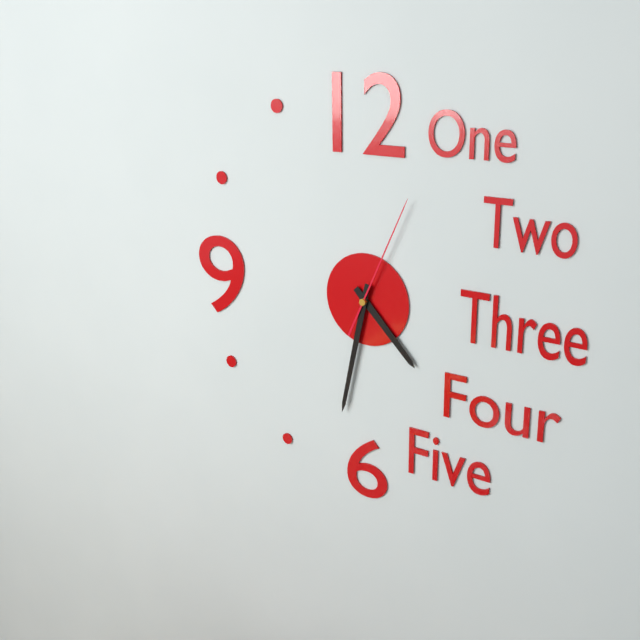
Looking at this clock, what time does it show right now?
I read 4:32:04
